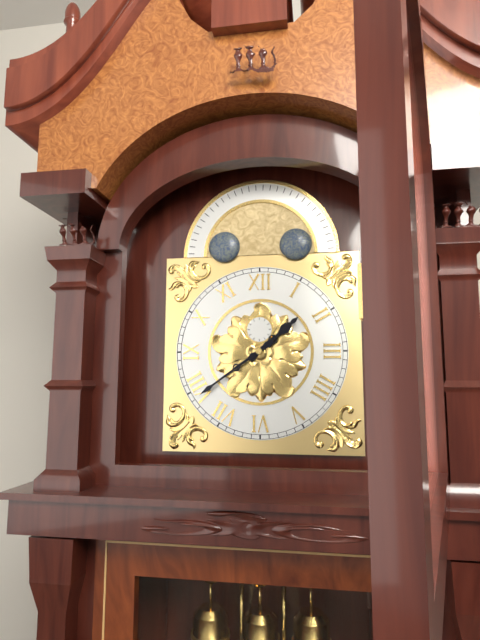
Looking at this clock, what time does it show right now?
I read 1:39
